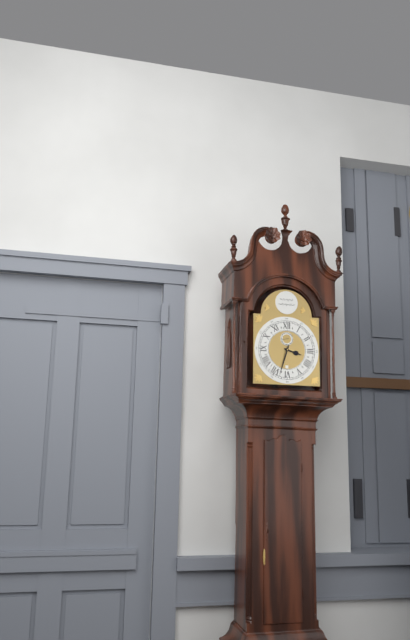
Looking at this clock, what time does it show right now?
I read 3:33
